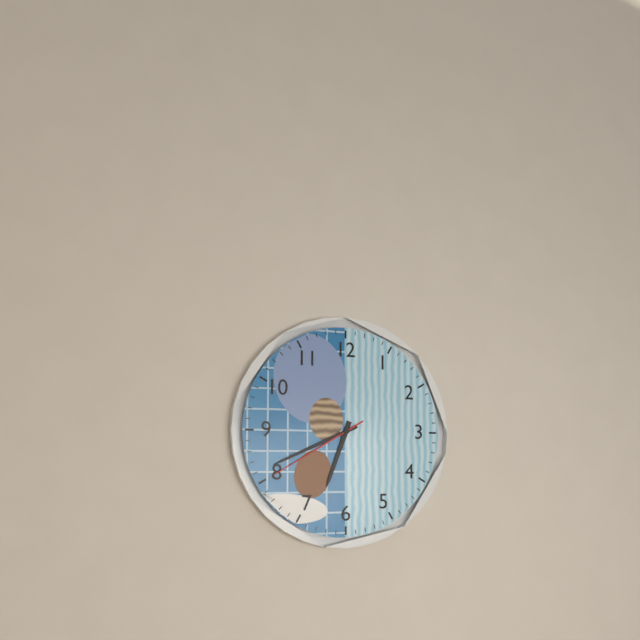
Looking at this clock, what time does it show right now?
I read 6:41:40
